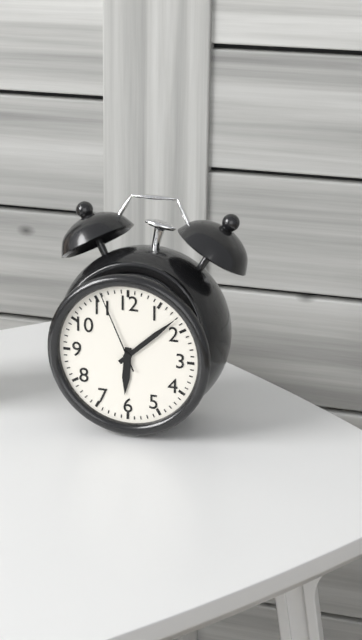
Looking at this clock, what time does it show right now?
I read 6:08:56
